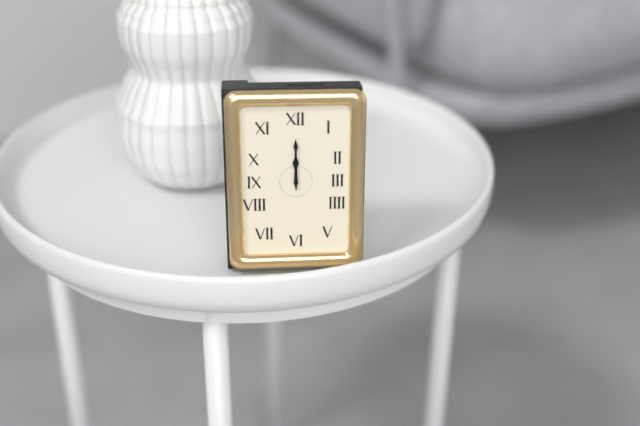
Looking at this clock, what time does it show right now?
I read 12:00
